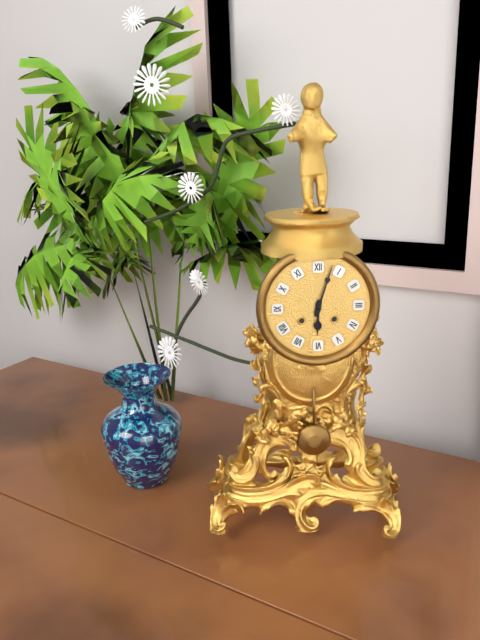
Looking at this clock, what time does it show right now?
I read 6:03
